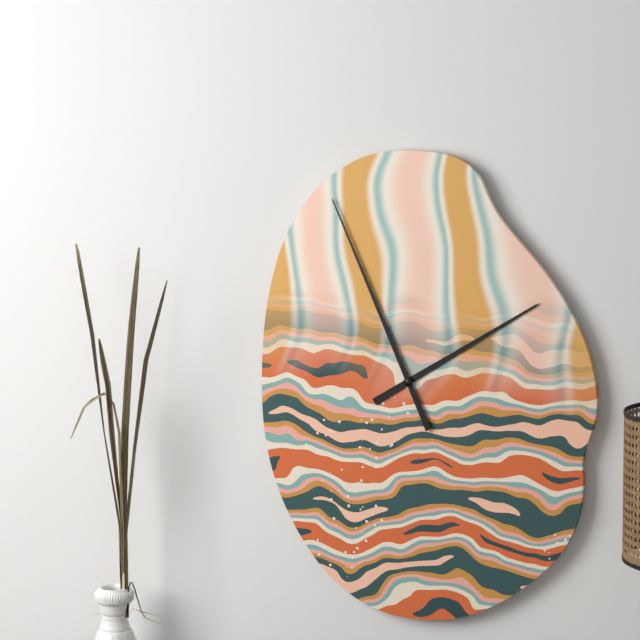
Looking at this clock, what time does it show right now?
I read 1:56
